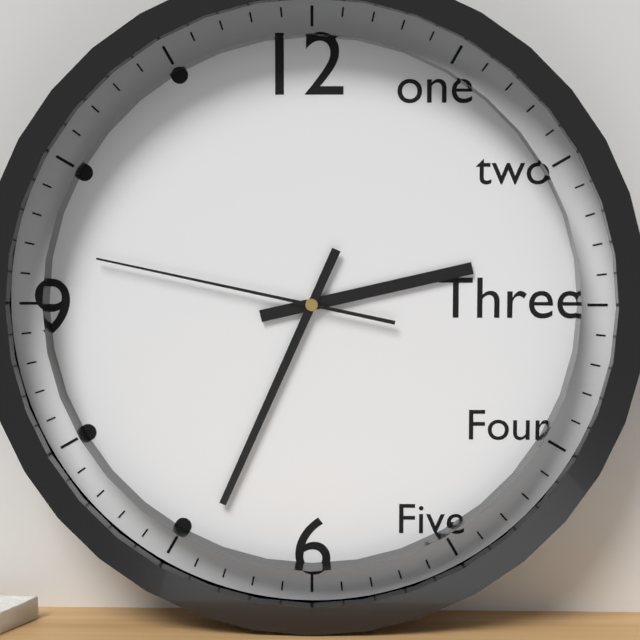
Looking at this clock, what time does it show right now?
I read 2:34:47
